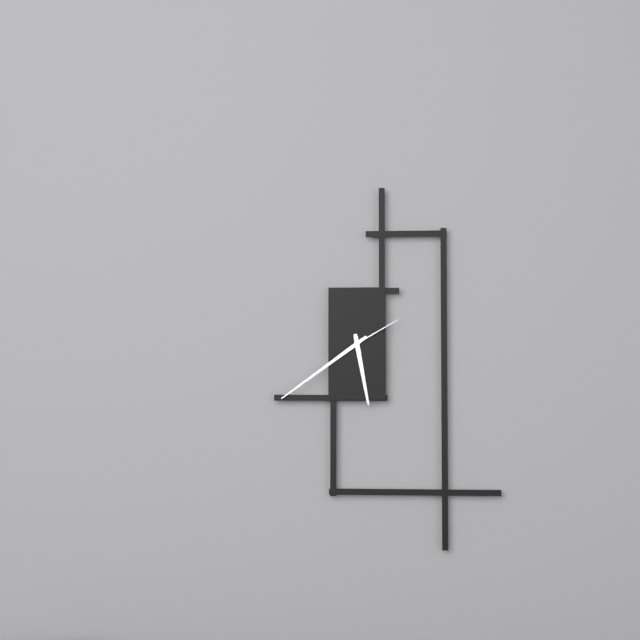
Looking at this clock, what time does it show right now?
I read 5:39:10
